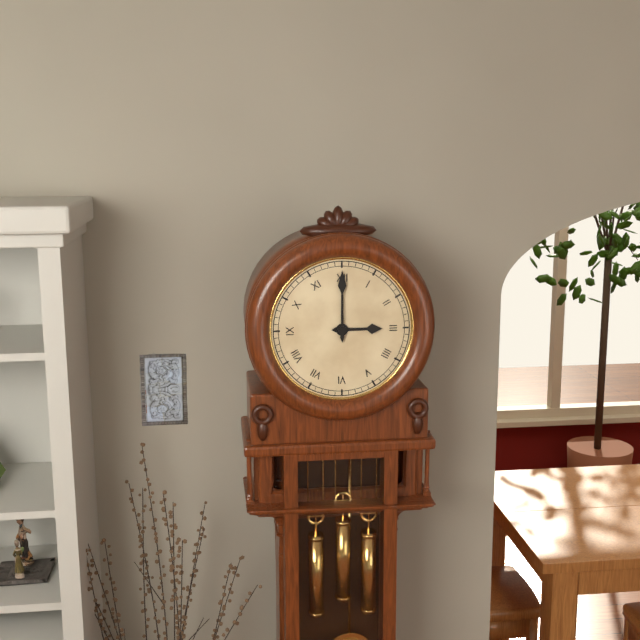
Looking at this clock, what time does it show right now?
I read 3:00
